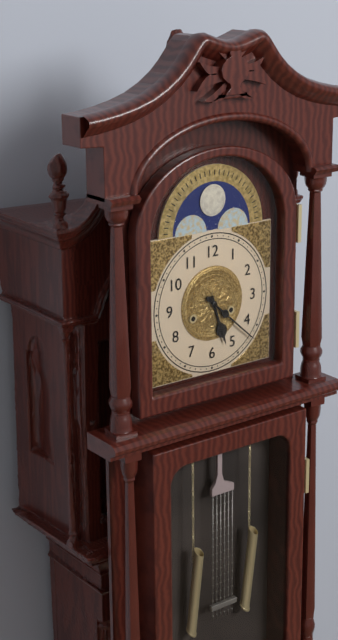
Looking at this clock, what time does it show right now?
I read 5:22
